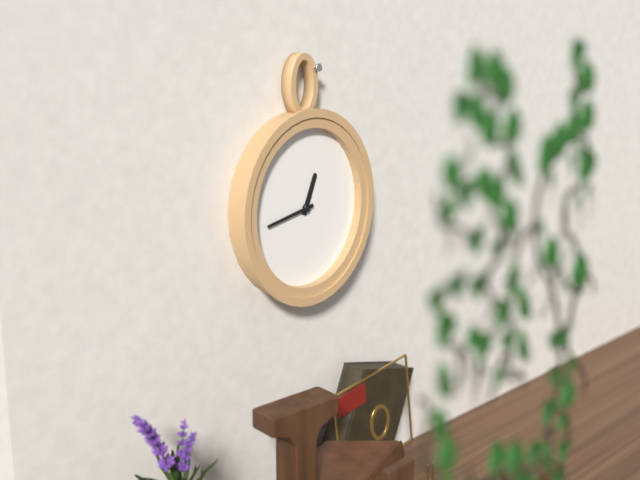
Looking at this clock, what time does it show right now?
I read 12:43
